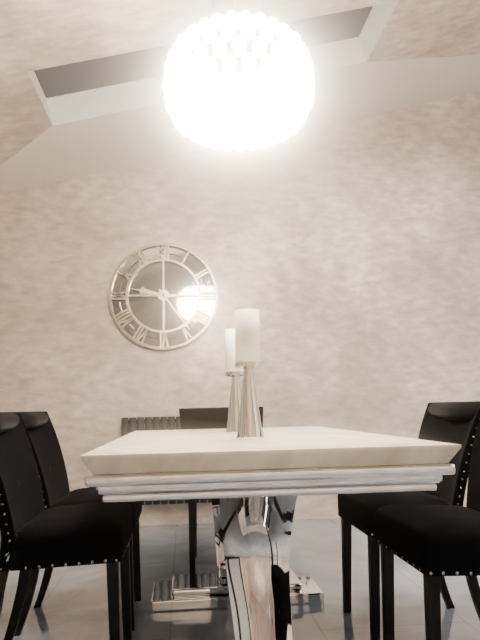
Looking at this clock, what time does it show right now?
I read 9:24
